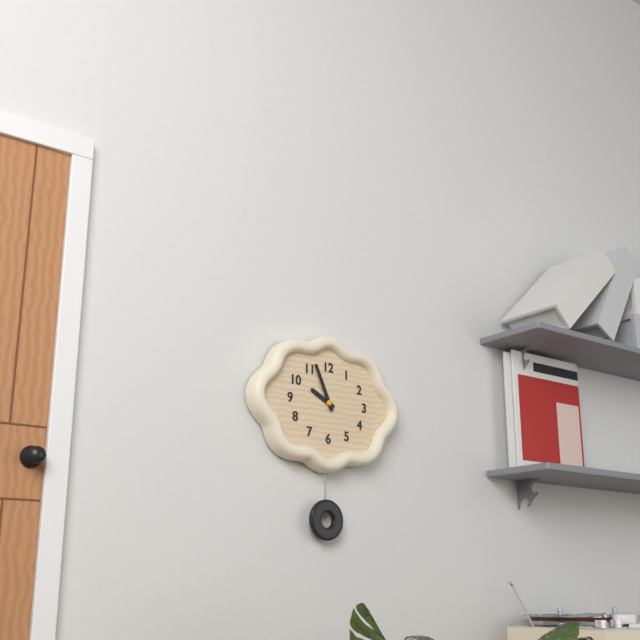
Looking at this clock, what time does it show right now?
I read 9:56
